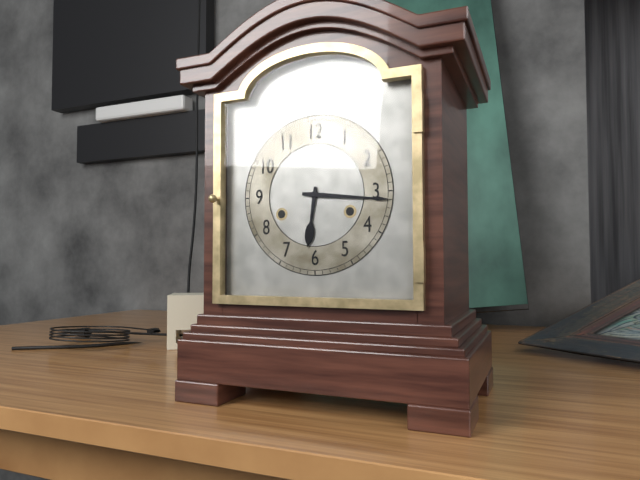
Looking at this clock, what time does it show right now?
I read 6:16
